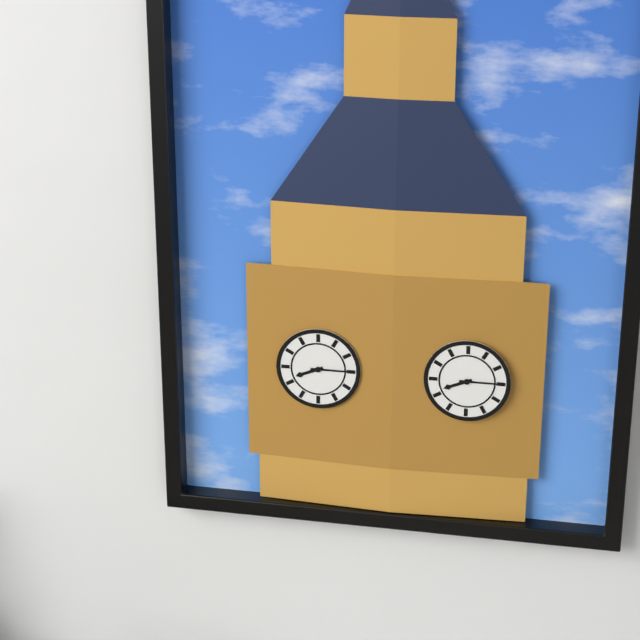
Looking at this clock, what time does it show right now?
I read 8:15
